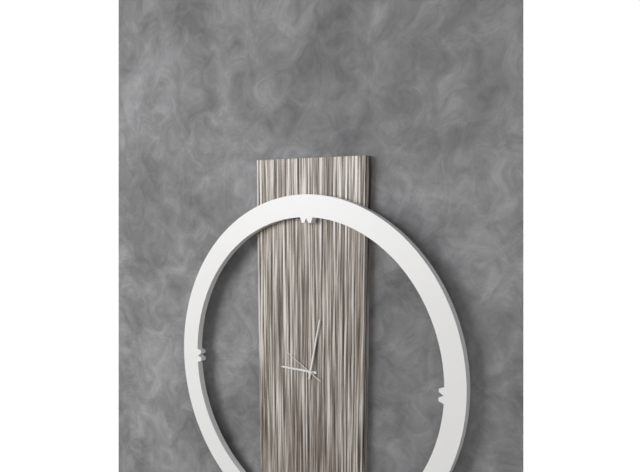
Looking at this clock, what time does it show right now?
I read 9:02
